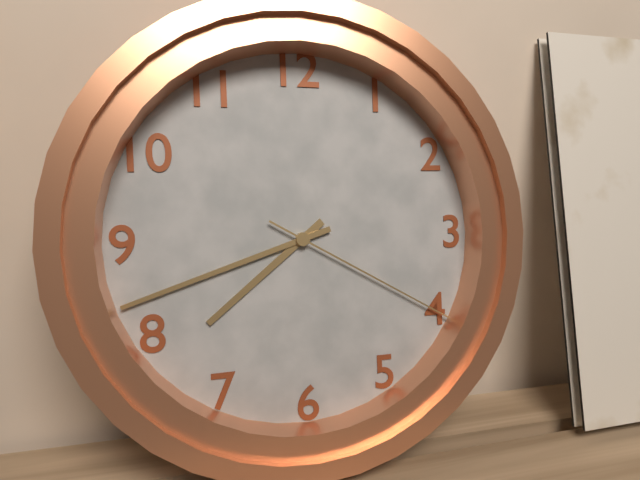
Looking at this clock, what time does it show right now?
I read 7:42:20
